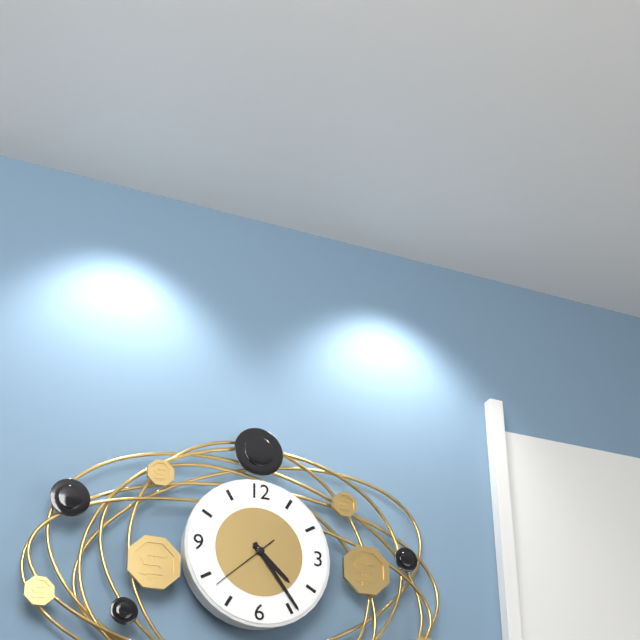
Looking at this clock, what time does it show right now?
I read 4:24:38
